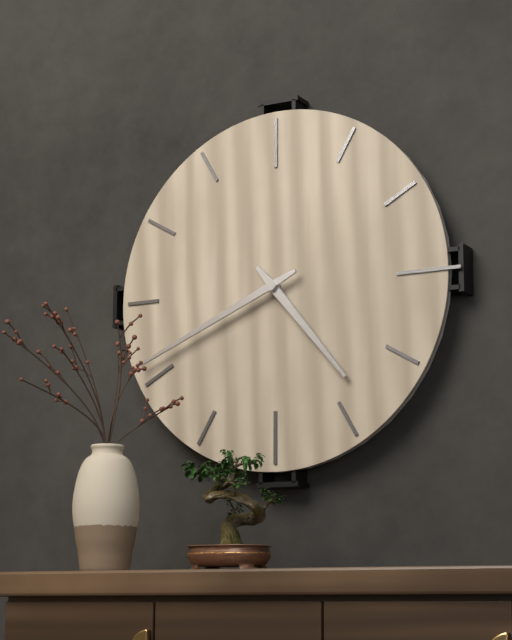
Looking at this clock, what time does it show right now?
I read 4:41
